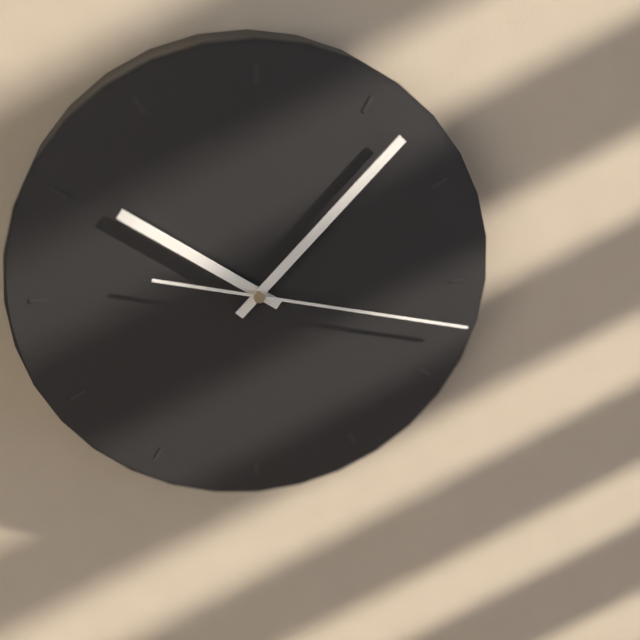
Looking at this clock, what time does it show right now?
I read 10:07:17
